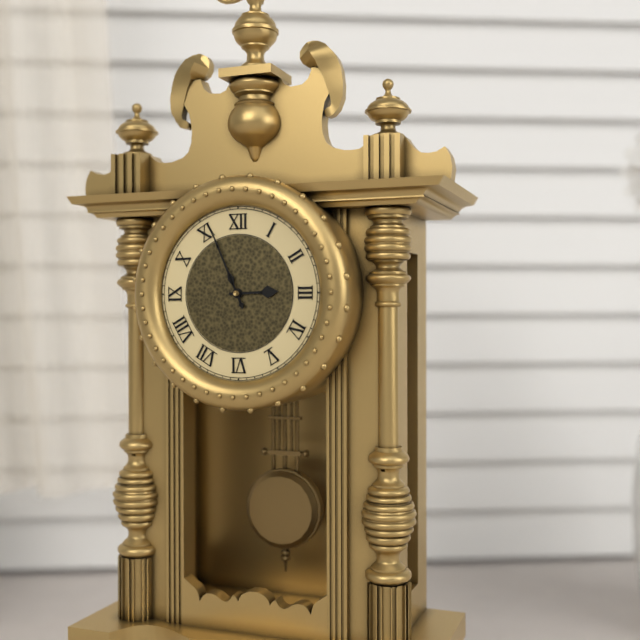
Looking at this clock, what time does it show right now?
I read 2:56
